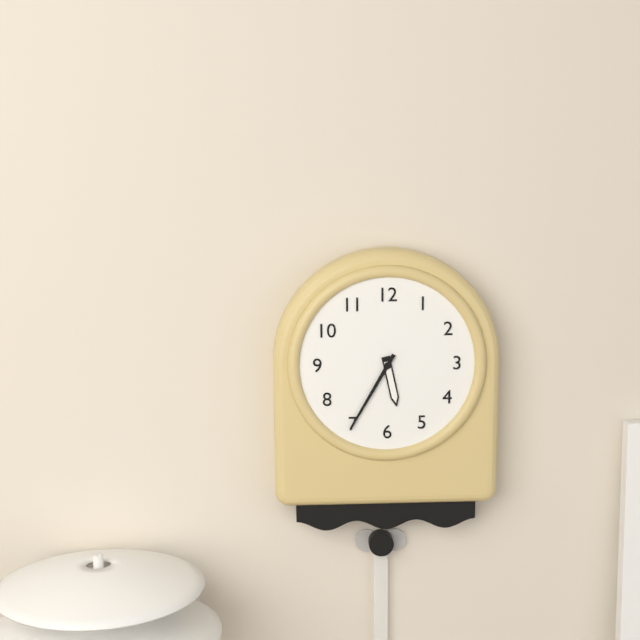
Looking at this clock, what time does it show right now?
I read 5:35
